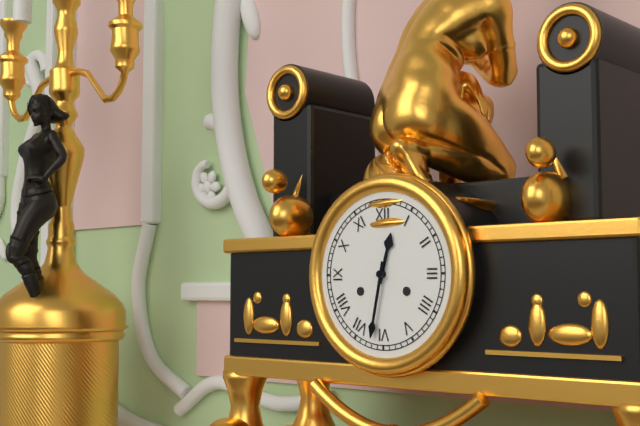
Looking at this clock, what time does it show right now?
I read 12:32
